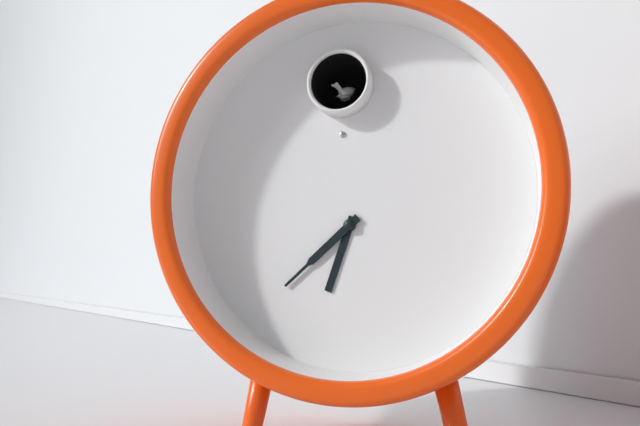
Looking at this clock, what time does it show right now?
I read 6:38
